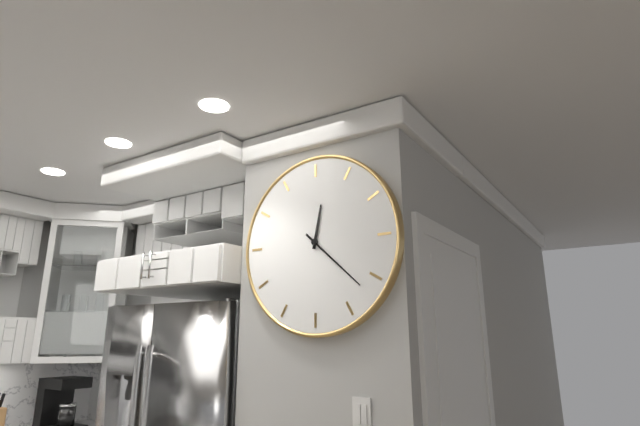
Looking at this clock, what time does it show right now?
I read 12:22
